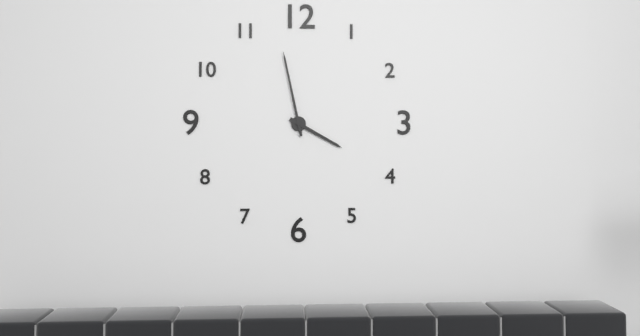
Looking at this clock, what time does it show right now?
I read 3:58
